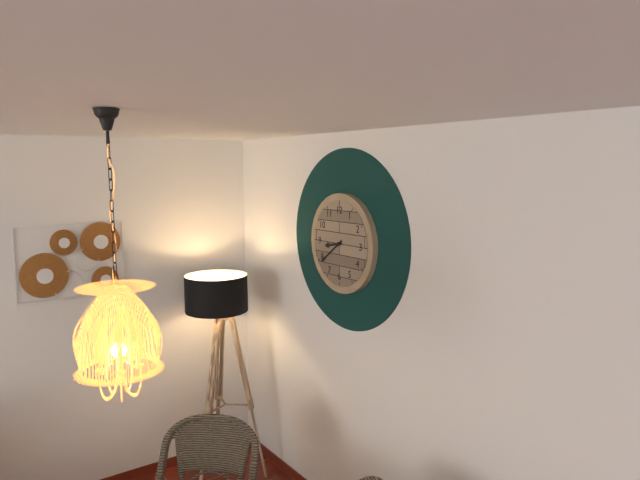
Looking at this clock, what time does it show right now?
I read 8:39
